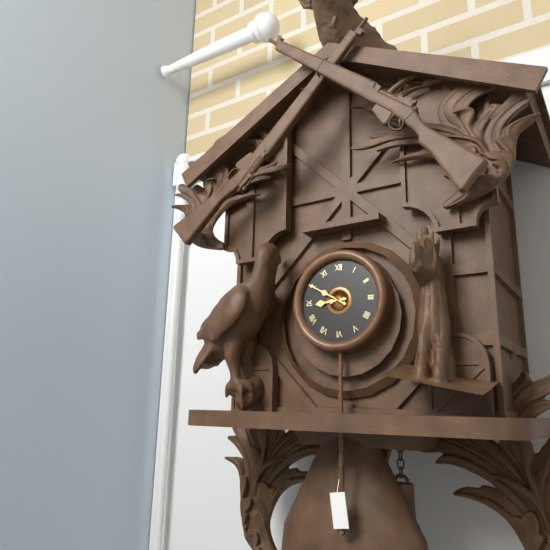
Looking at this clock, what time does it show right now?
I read 8:50
